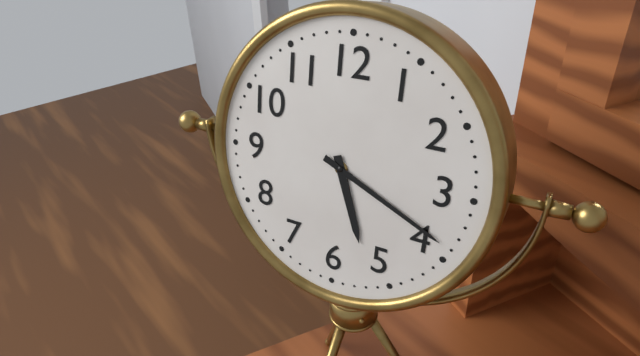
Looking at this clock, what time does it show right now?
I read 5:19
